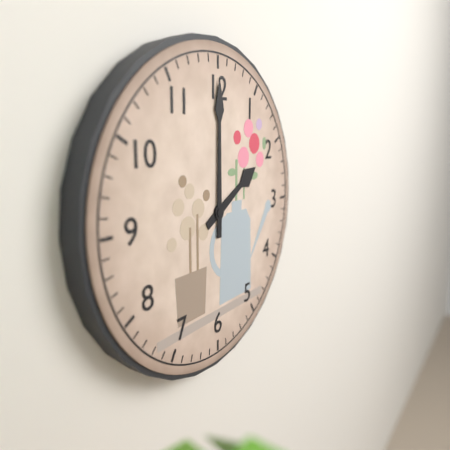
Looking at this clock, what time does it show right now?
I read 2:00
